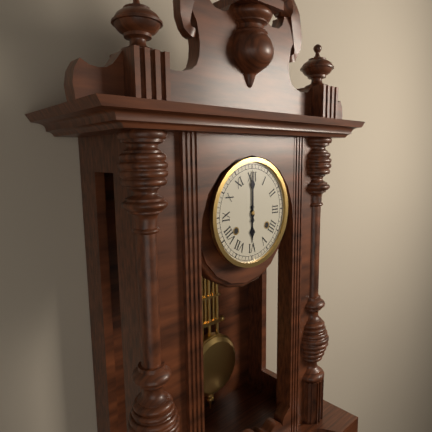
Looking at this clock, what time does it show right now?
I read 6:00
